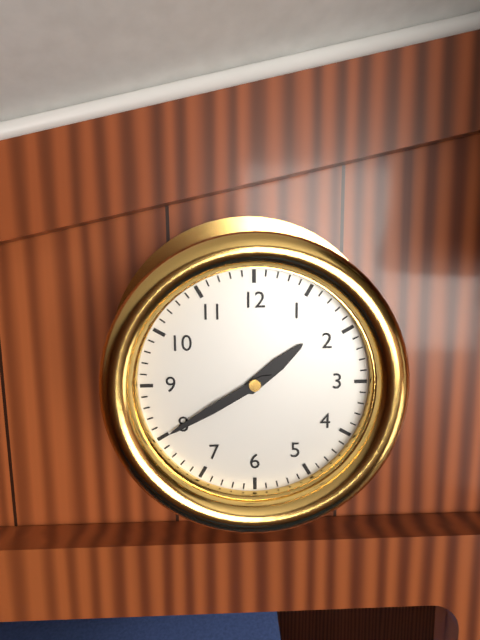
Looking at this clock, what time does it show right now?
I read 1:40
